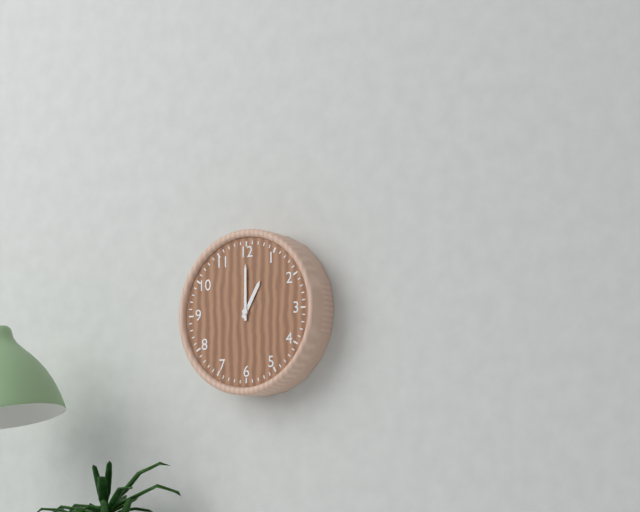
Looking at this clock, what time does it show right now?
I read 1:00
